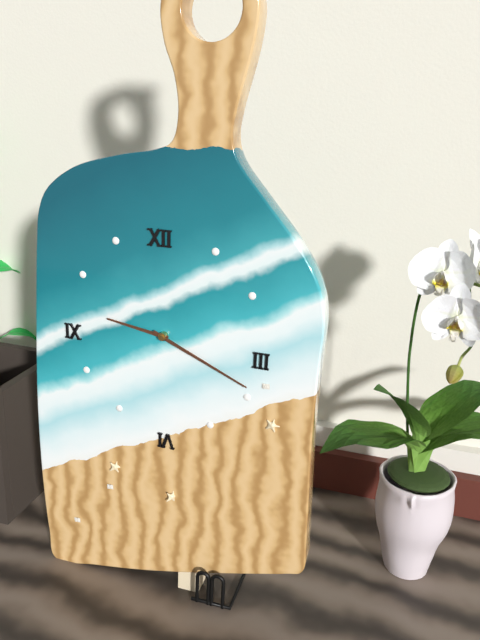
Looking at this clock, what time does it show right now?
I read 9:19
